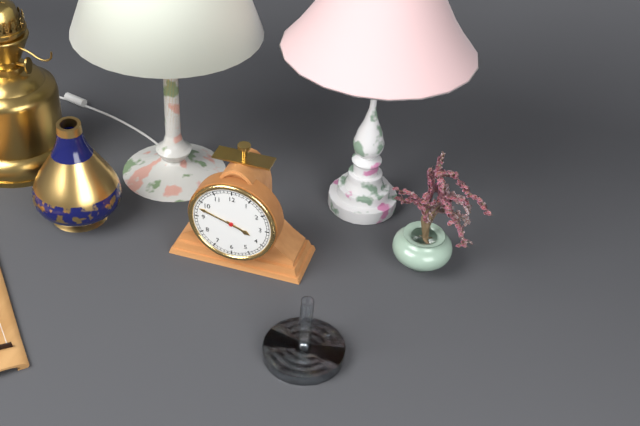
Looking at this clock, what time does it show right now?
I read 3:48
